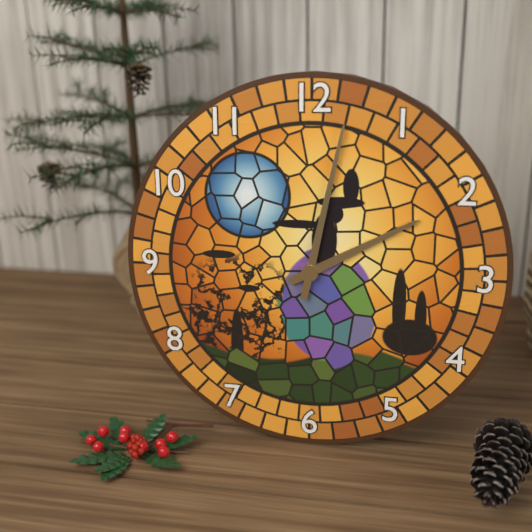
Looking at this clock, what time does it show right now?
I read 2:02
